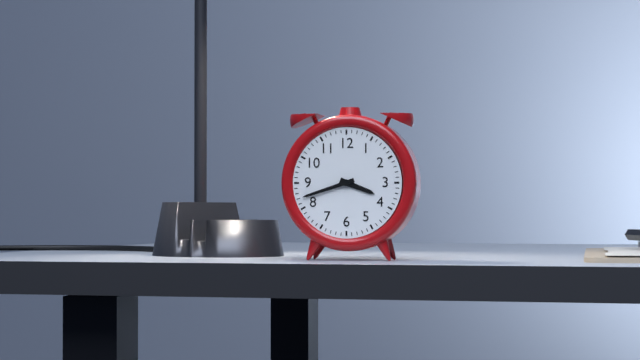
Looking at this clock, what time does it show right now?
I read 3:42
